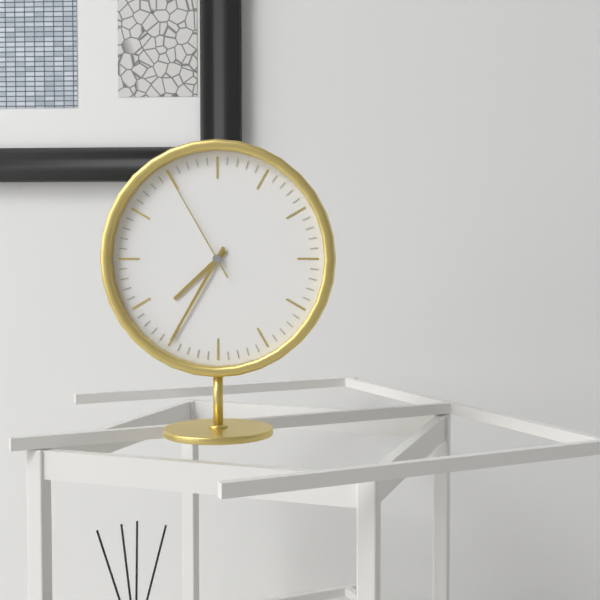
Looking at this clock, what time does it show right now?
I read 7:35:55
